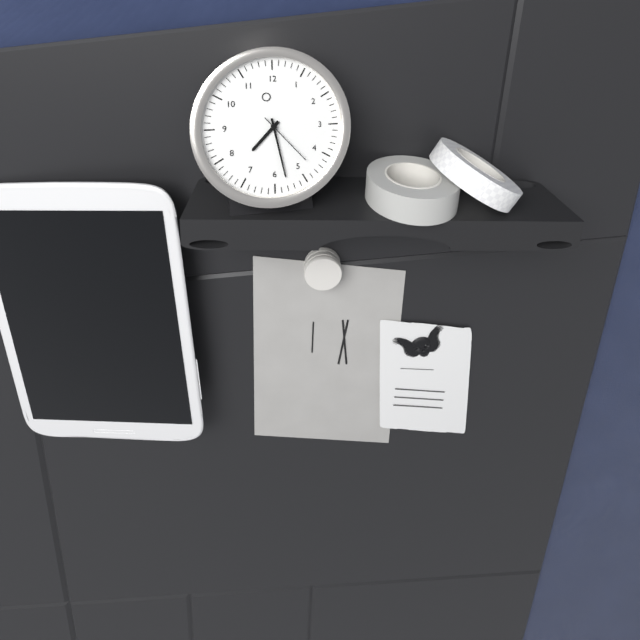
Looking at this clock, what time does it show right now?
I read 7:28:23
